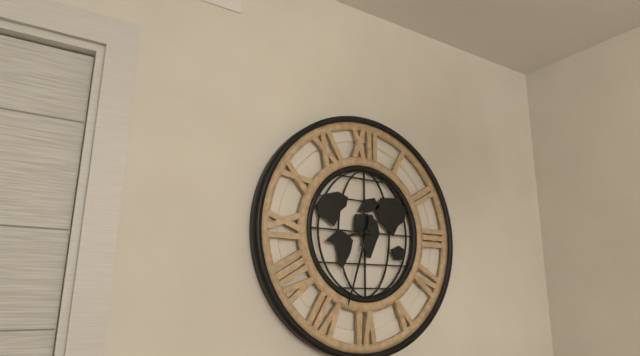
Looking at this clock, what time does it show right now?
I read 8:33
